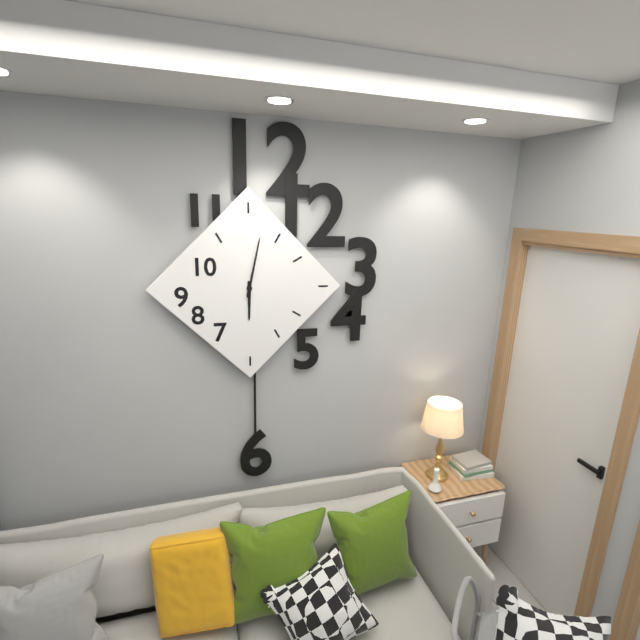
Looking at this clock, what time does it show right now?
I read 6:02
